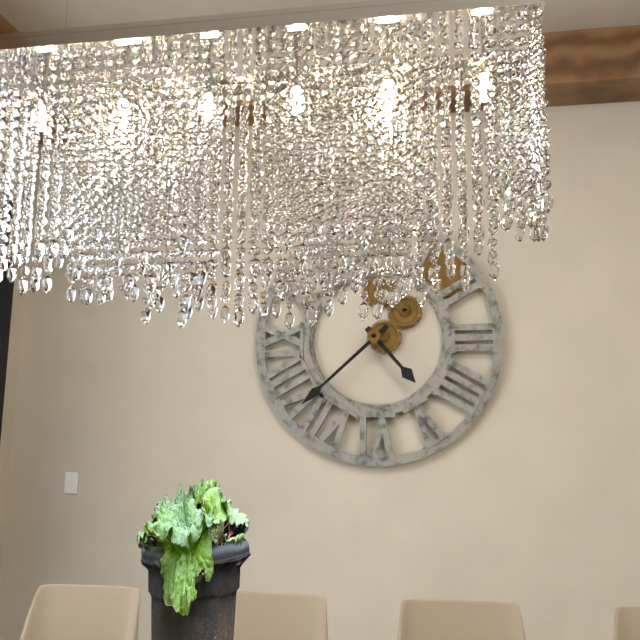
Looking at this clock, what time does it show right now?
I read 4:38
